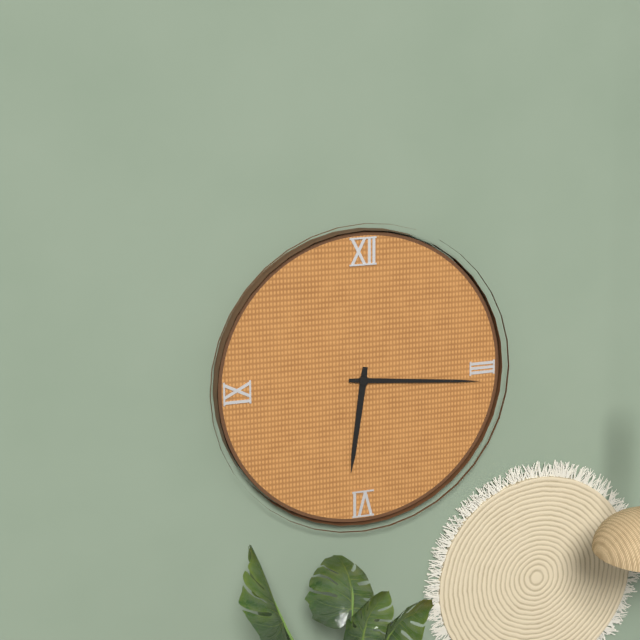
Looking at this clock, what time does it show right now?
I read 6:16
